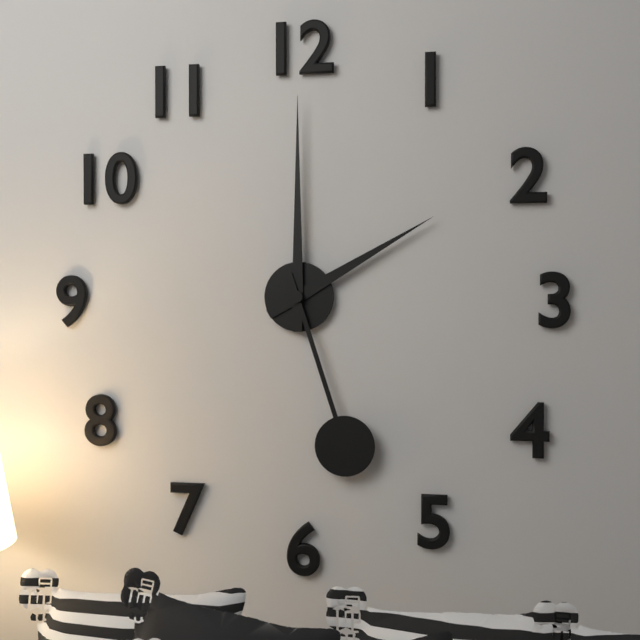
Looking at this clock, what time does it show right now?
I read 2:00:27
